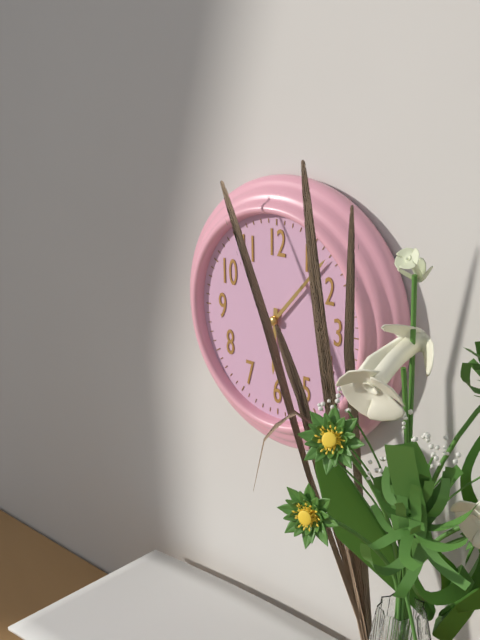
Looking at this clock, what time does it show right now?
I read 6:07
